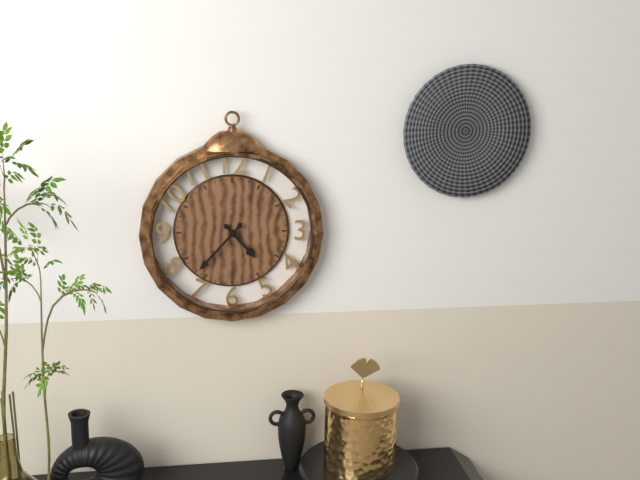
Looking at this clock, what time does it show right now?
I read 4:37
